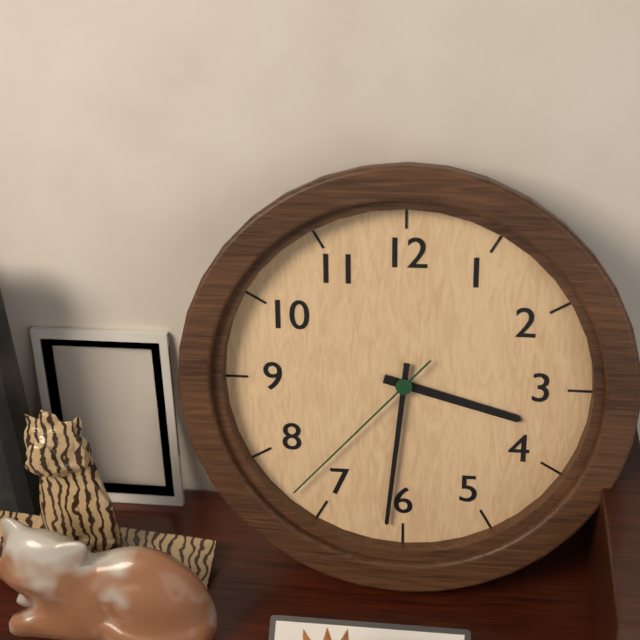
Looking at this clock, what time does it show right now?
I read 3:31:37
